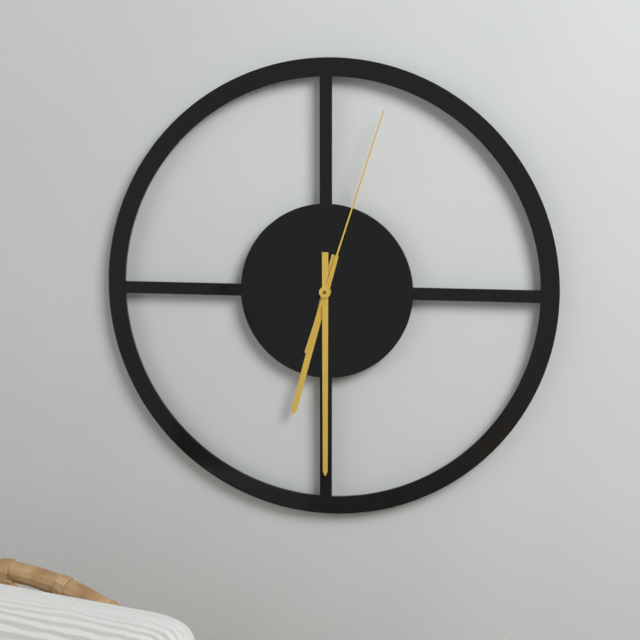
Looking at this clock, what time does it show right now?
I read 6:30:03
